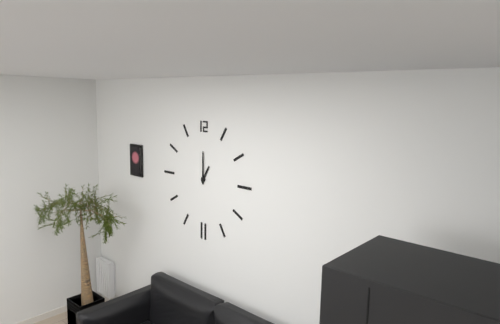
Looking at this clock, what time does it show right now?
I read 1:00
